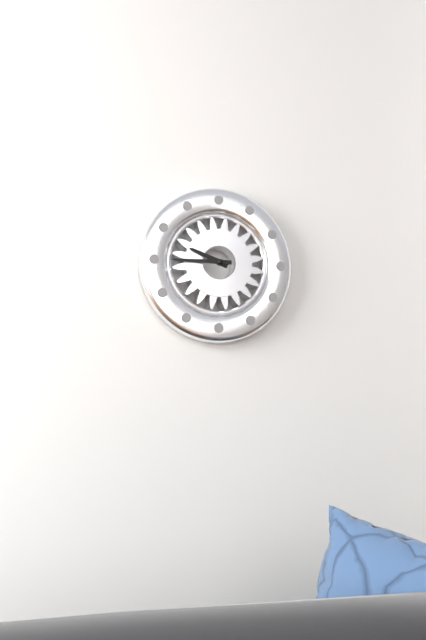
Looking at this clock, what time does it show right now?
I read 9:45
